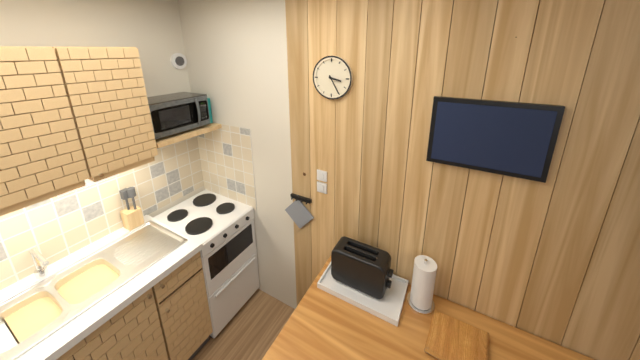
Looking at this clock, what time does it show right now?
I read 3:25
